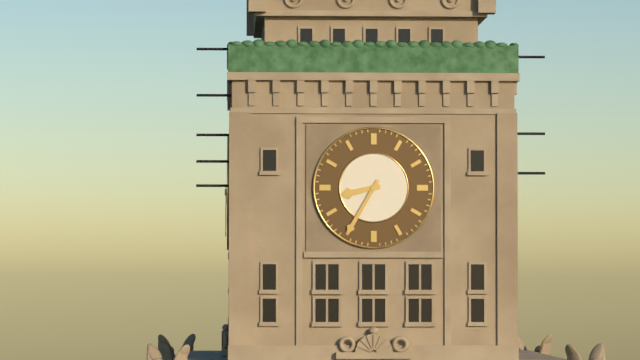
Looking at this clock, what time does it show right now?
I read 8:35
